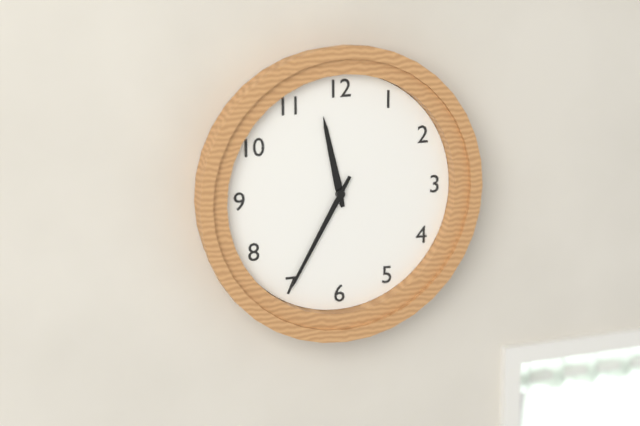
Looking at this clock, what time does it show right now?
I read 11:35
